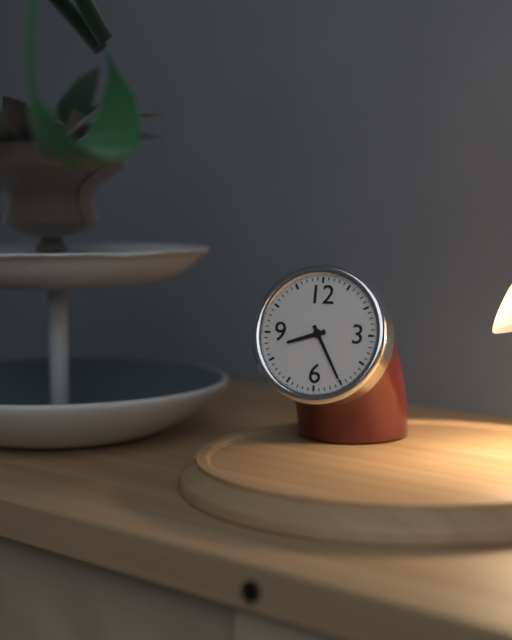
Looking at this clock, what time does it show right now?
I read 8:25
